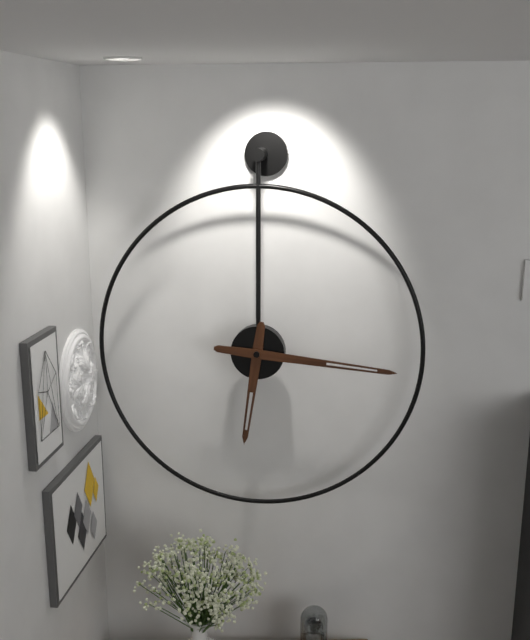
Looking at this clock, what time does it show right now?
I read 6:16
